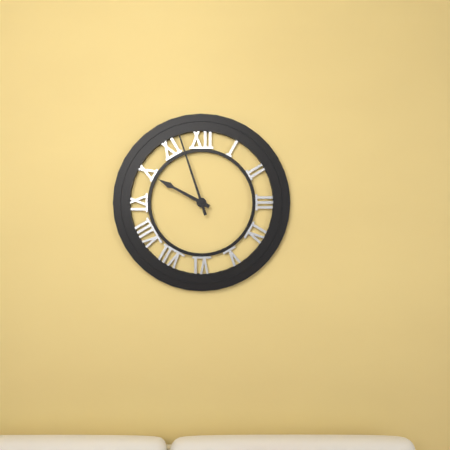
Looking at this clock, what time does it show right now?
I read 9:57
